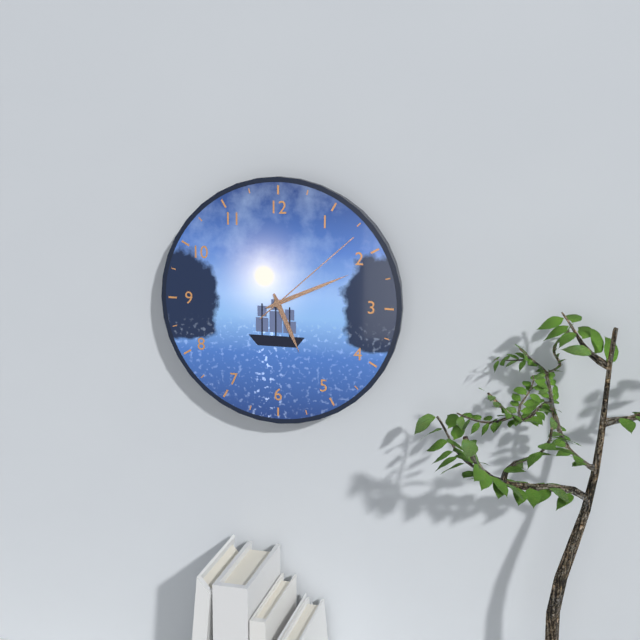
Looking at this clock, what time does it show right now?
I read 5:11:08
